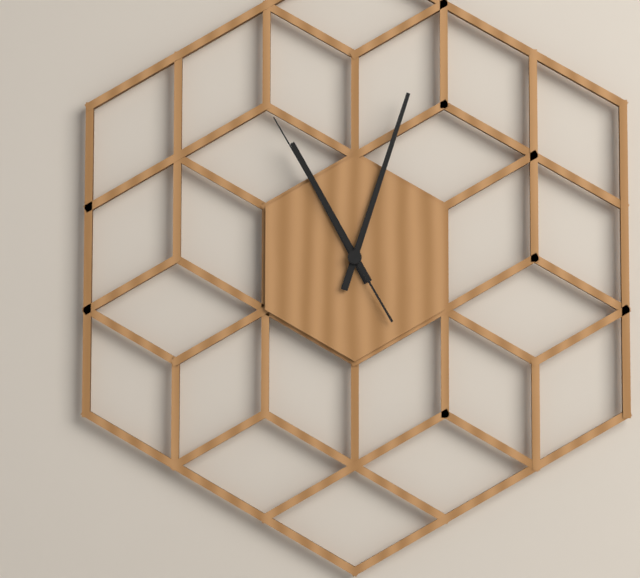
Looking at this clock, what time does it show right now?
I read 11:03:55
